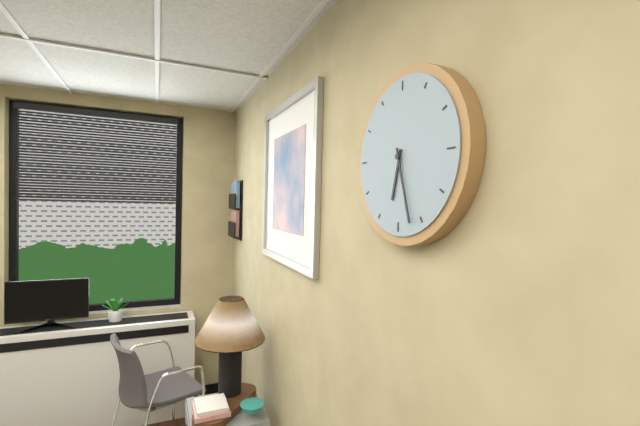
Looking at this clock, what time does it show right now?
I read 6:27
